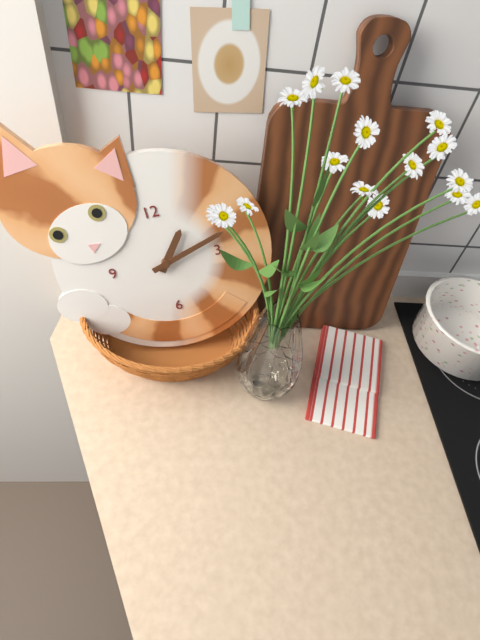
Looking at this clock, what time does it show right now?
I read 1:12
